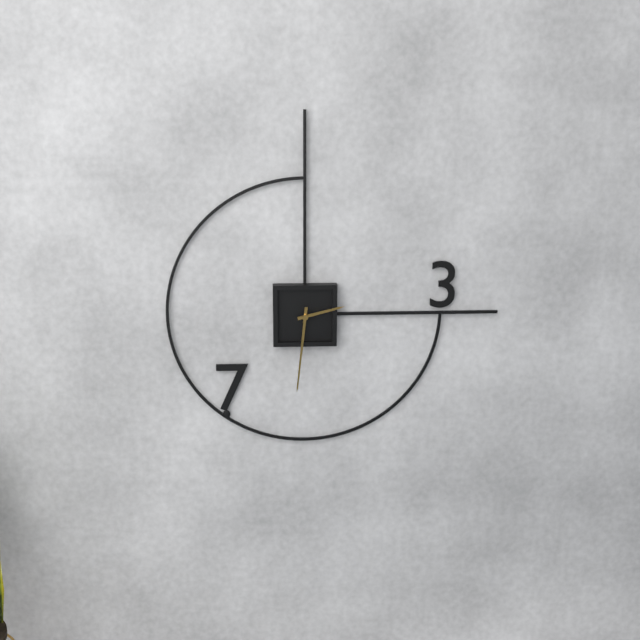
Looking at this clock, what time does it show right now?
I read 2:31
